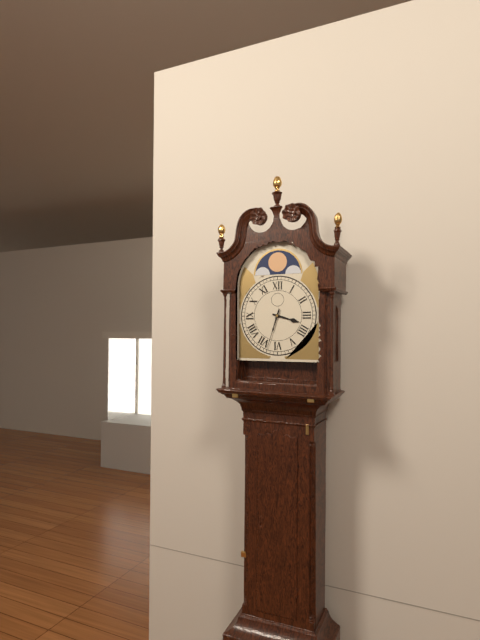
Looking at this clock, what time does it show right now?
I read 3:33
